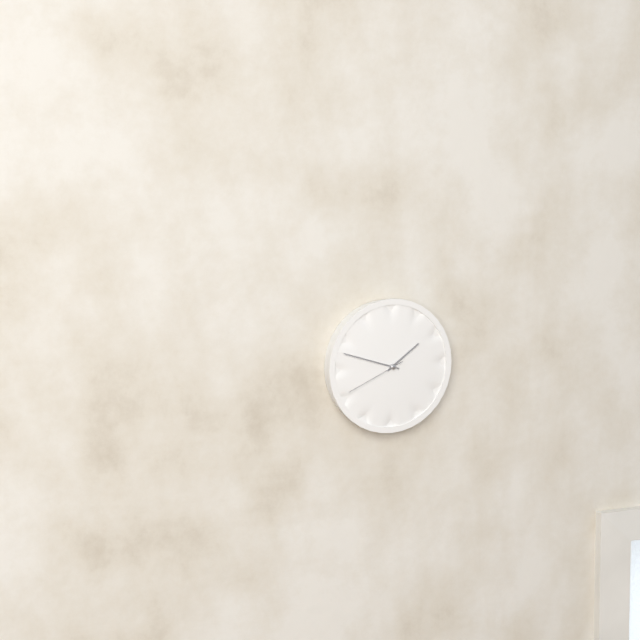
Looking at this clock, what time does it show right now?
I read 1:48:41
